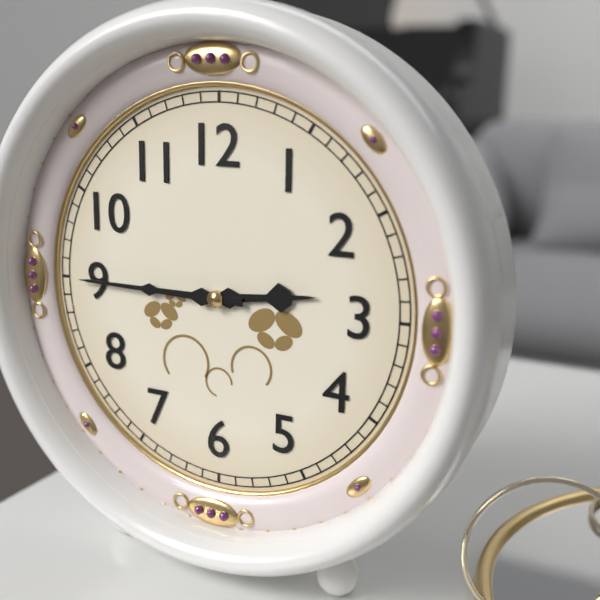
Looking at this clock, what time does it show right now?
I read 2:45
